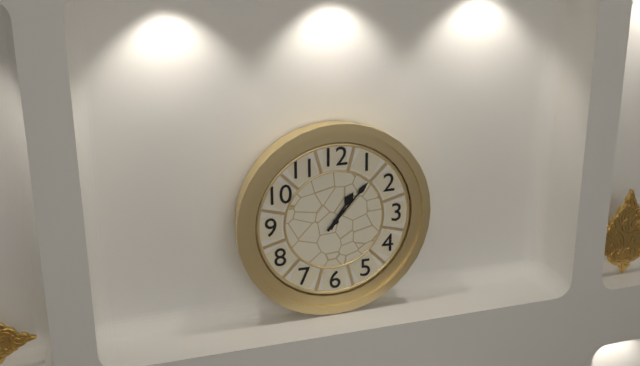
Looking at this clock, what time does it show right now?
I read 1:07
